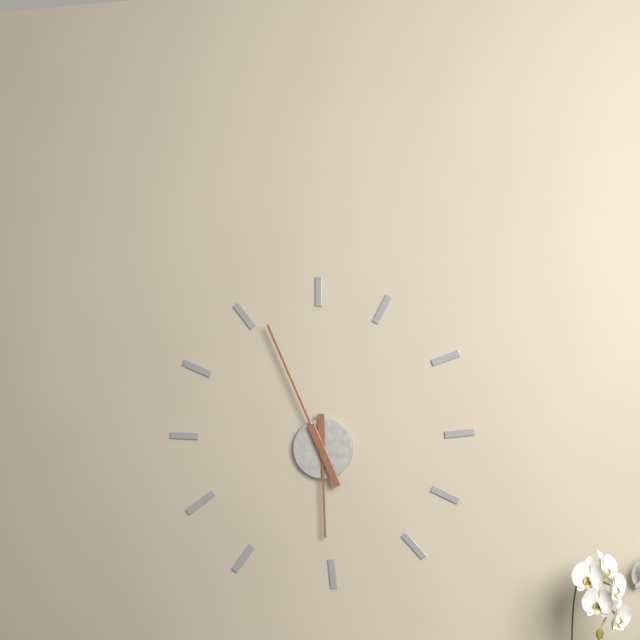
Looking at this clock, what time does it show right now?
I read 5:56
